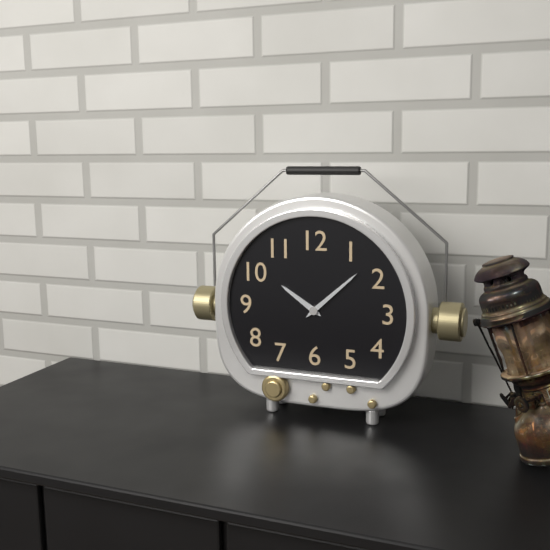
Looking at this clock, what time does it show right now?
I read 10:08
